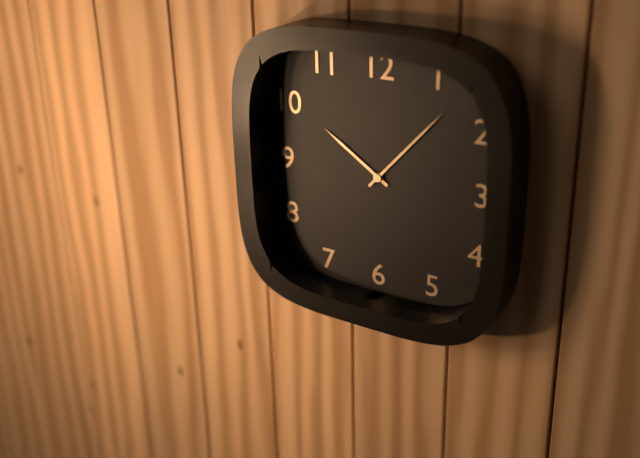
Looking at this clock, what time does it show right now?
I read 10:07
